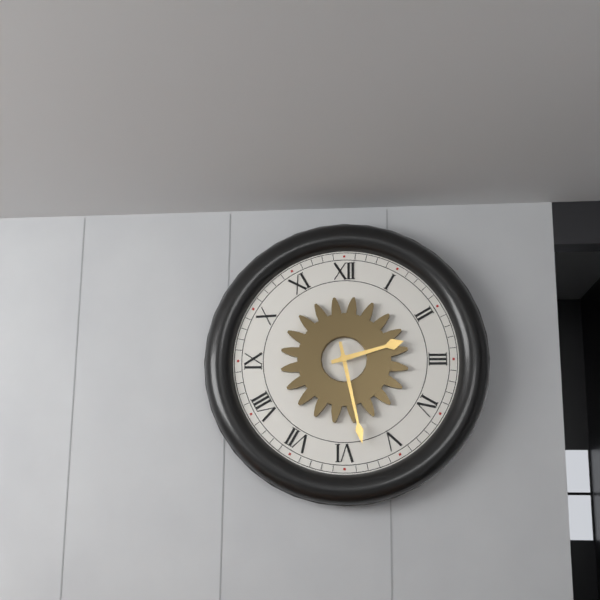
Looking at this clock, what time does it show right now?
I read 2:28
